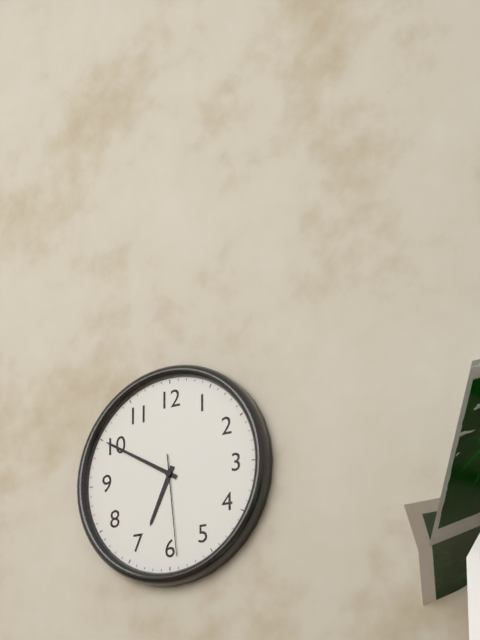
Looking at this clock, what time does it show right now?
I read 6:50:29
